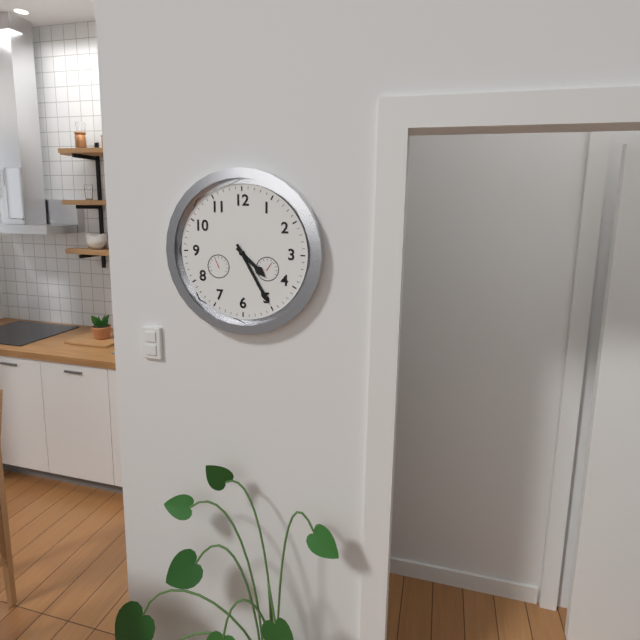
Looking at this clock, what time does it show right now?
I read 4:25
